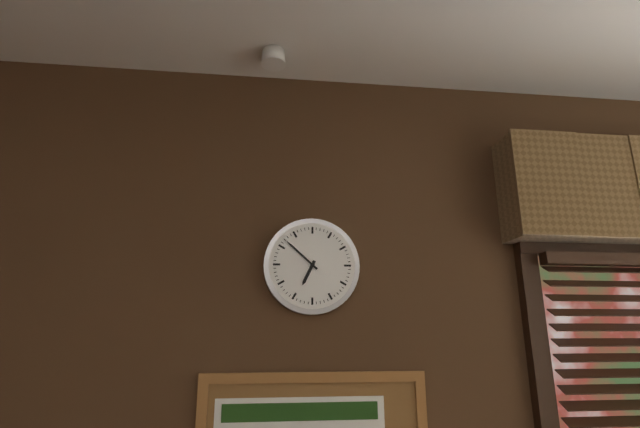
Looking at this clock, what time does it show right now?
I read 6:52
